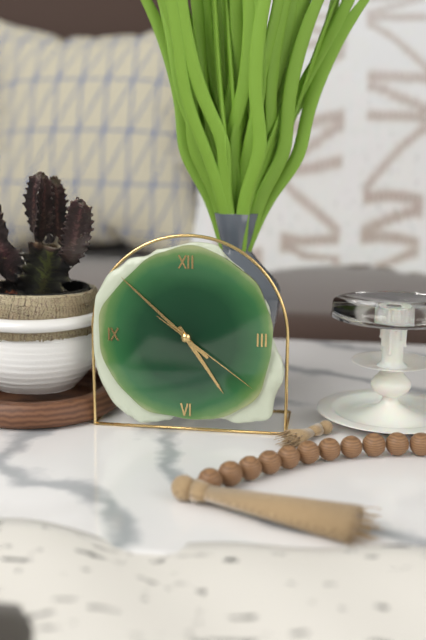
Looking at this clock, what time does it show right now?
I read 4:52:21
